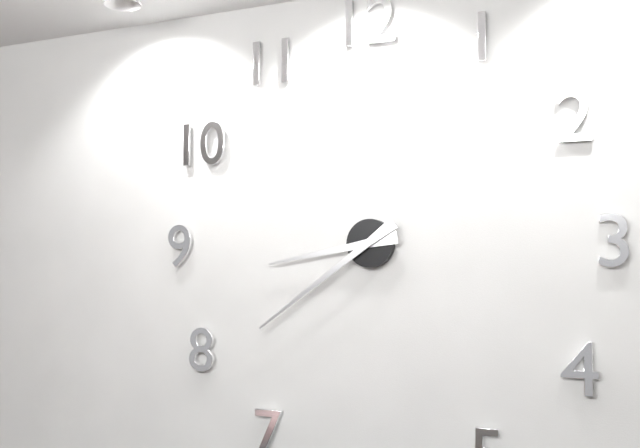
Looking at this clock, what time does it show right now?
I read 8:39
